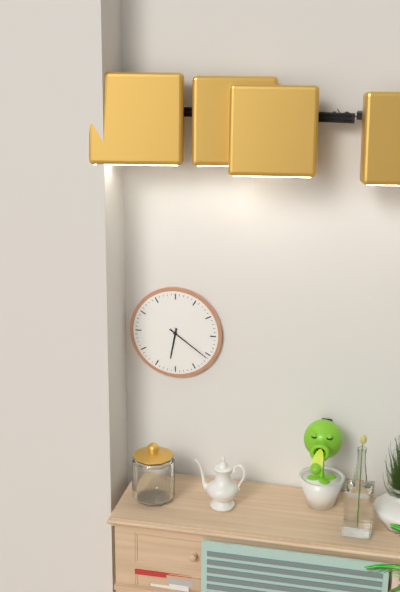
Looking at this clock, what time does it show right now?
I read 6:21
